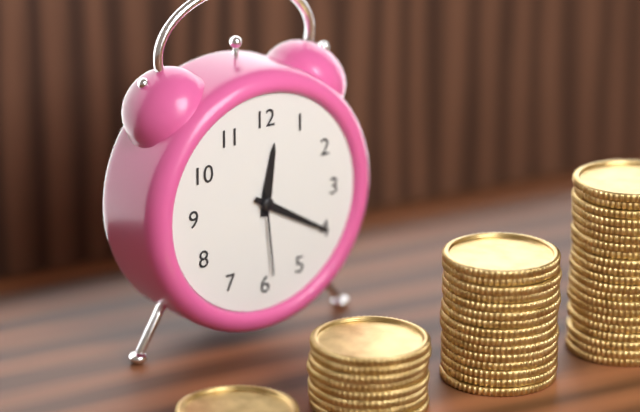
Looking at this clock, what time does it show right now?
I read 12:20:29
